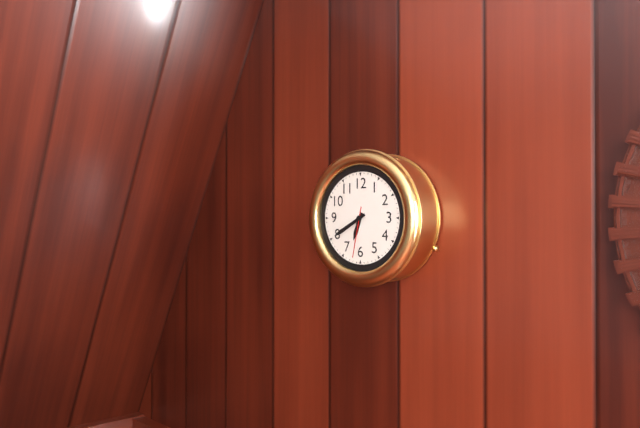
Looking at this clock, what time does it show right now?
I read 6:40:32
